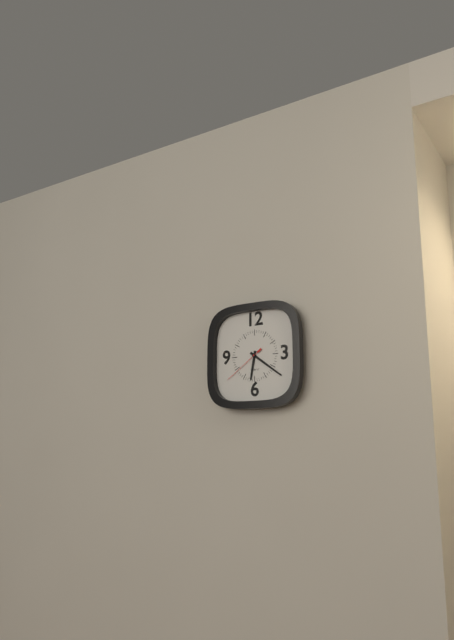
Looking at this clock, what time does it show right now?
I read 6:21
